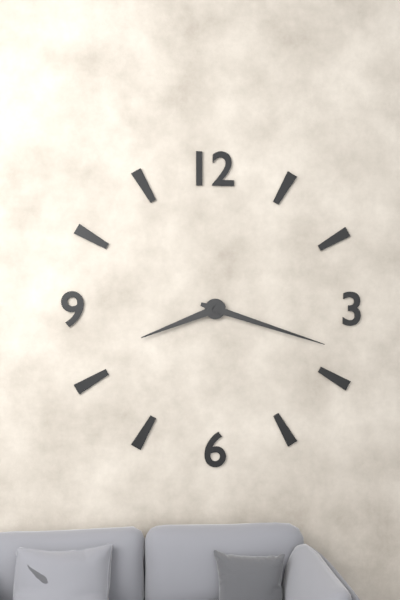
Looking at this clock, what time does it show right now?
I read 8:18
